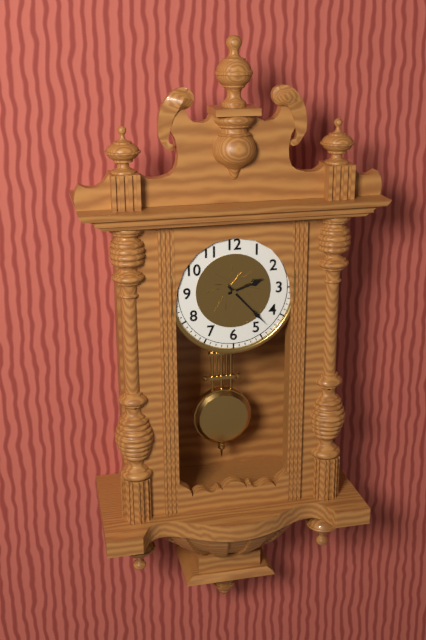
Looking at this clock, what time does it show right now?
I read 2:23
